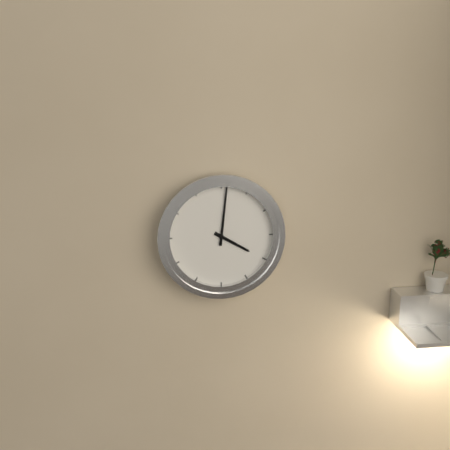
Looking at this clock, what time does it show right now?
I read 4:01
